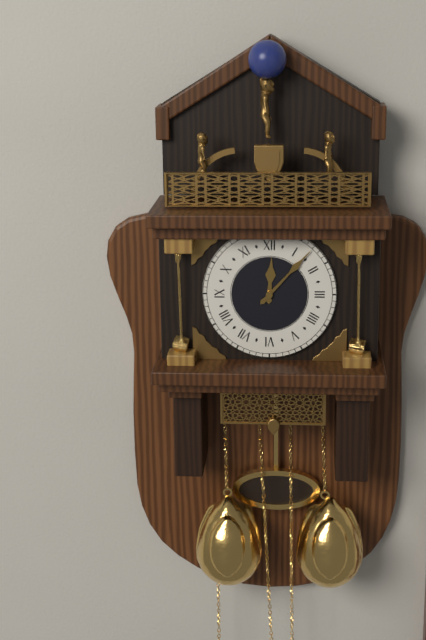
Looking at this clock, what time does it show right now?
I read 12:07
